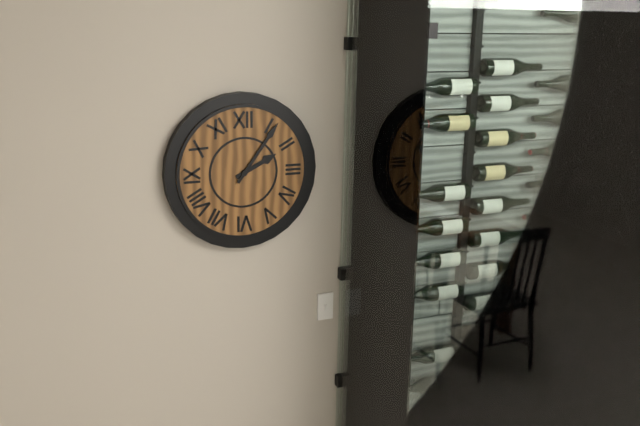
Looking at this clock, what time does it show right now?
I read 2:06
